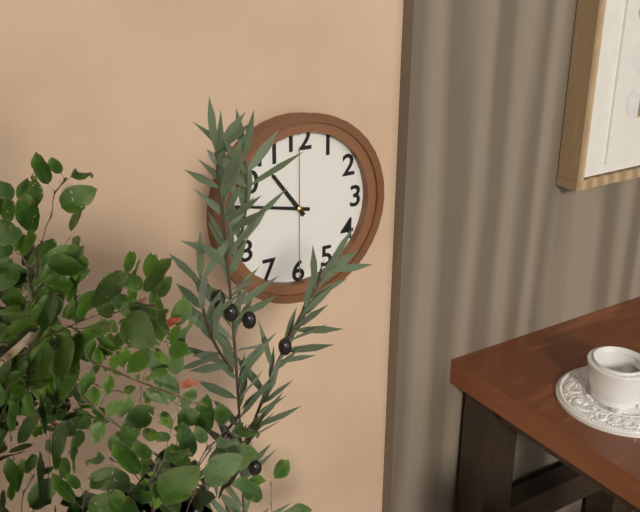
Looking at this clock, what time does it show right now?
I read 10:47:30
